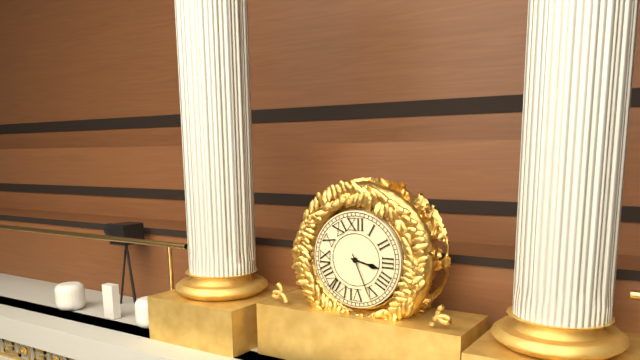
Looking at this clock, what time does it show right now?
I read 3:26
